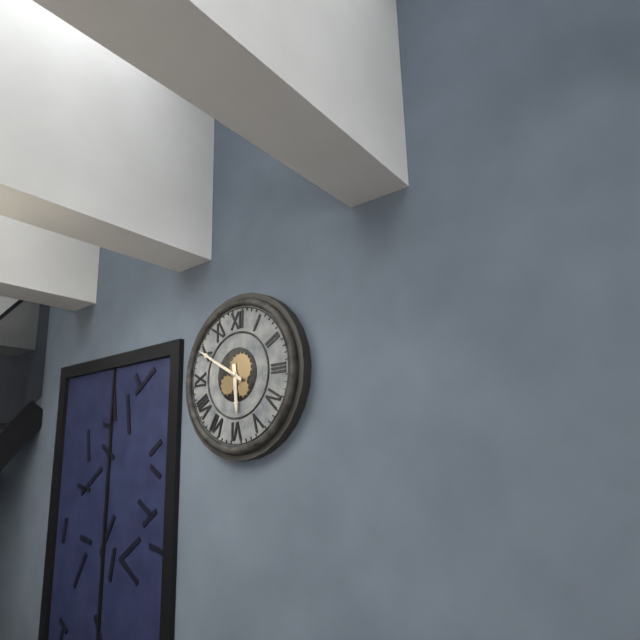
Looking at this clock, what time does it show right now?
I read 5:50
